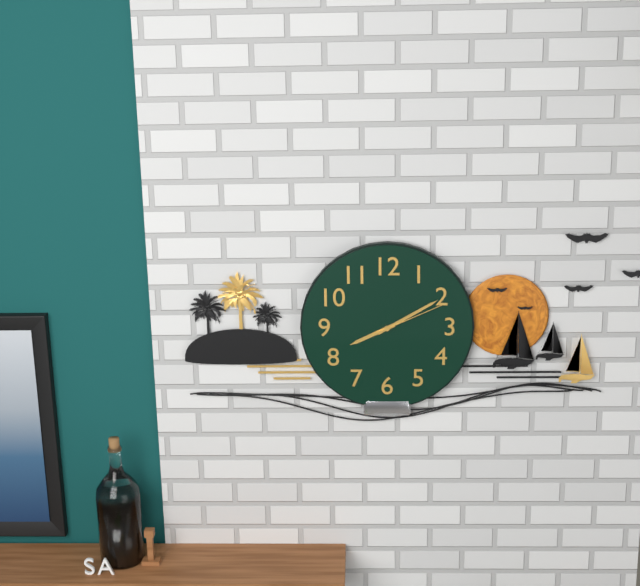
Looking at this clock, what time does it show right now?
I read 8:10:11
